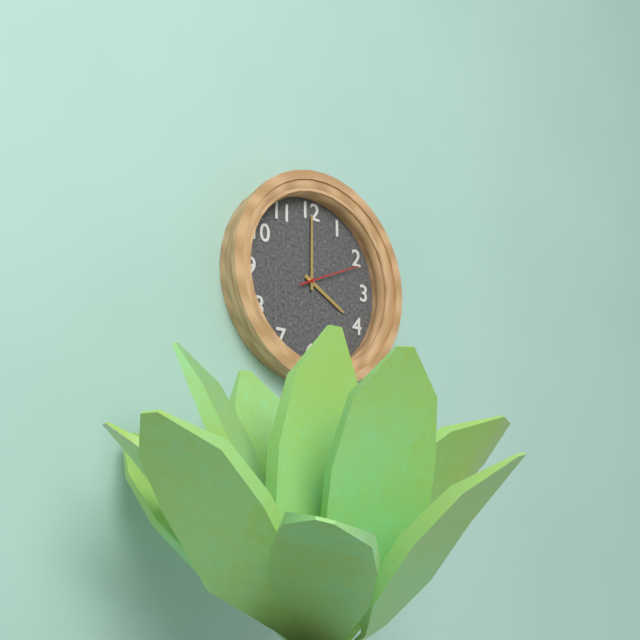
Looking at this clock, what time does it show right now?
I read 4:00:11
